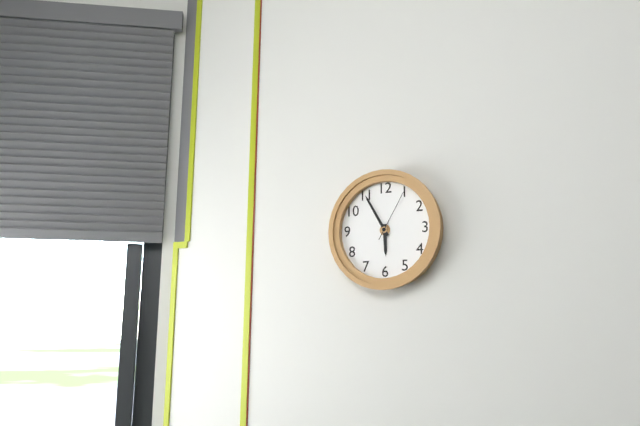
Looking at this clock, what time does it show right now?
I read 5:55:05
